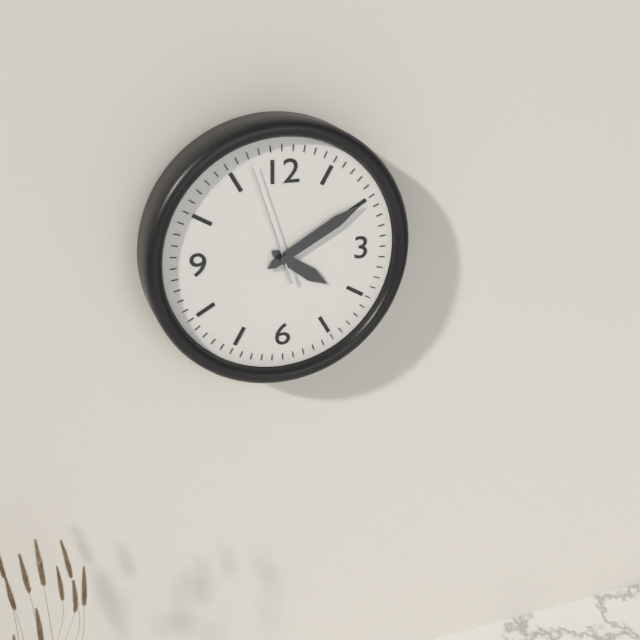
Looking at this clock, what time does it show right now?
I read 4:10:57
